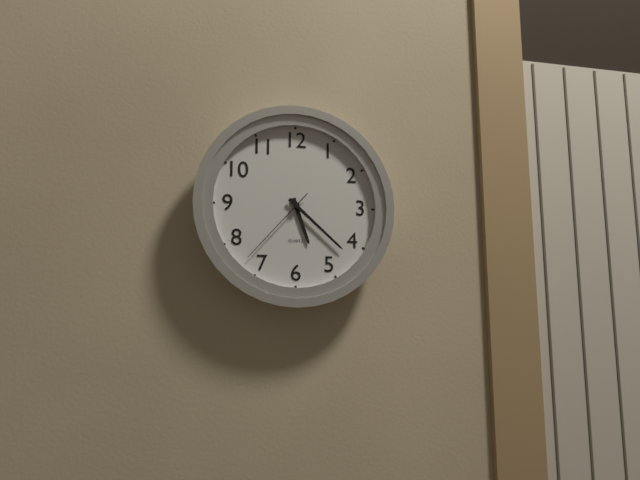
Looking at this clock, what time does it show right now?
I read 5:22:37
